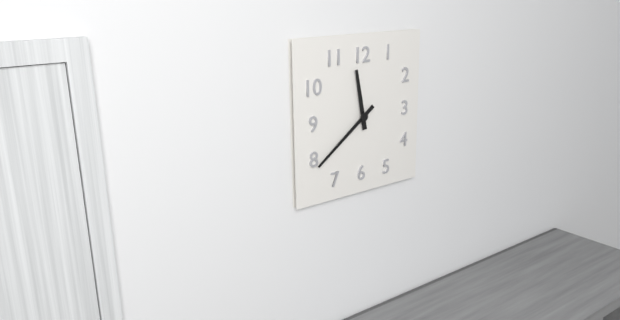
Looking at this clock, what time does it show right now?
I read 11:39
